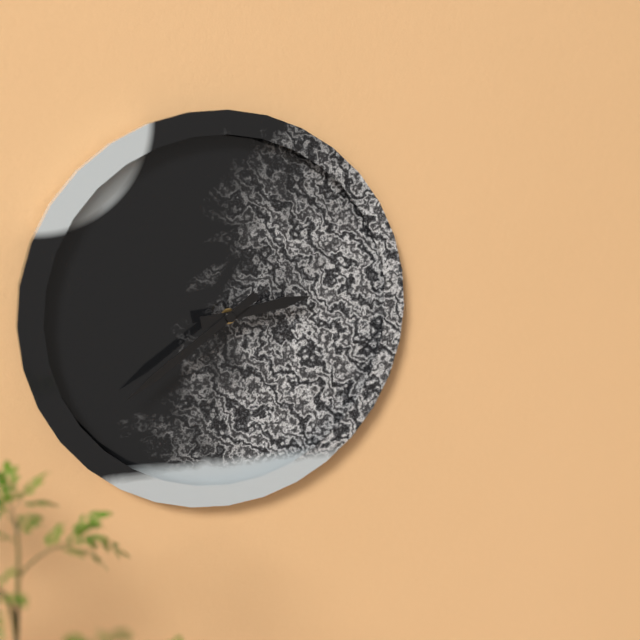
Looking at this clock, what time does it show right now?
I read 2:39
